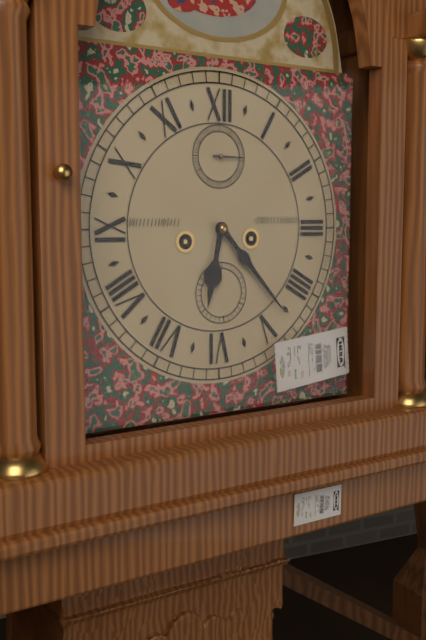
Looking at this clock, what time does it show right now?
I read 6:23
